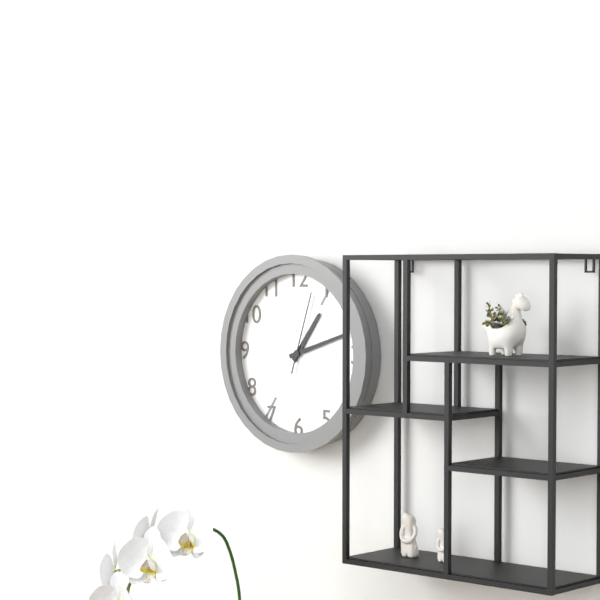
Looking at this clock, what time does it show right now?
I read 1:12:03
